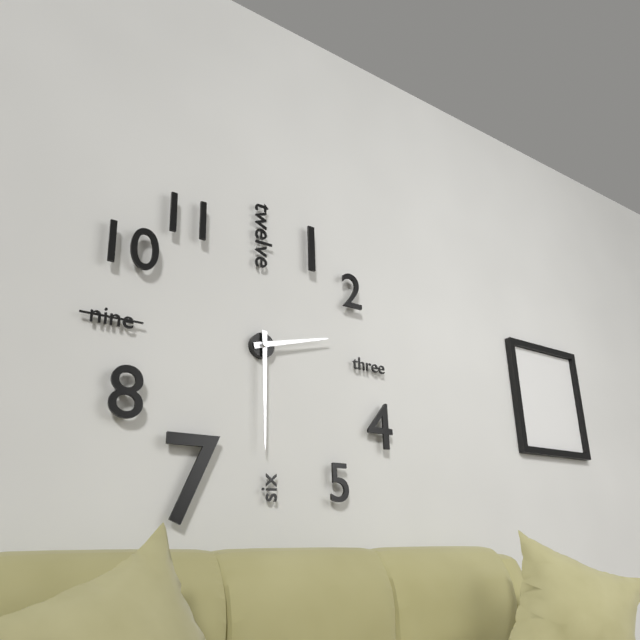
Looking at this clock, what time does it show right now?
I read 2:30
